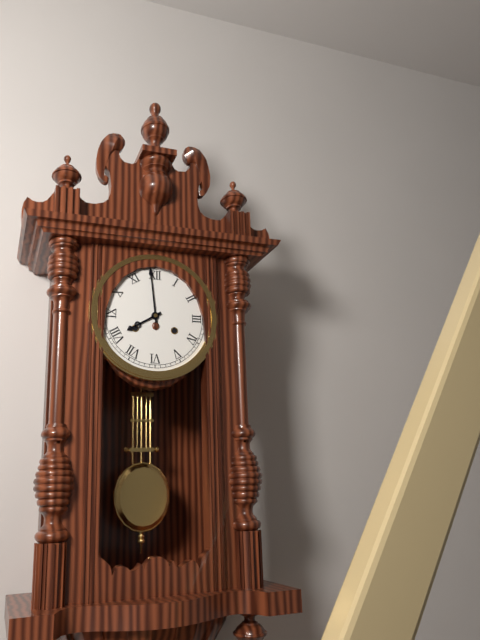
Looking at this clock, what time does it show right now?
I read 7:59
